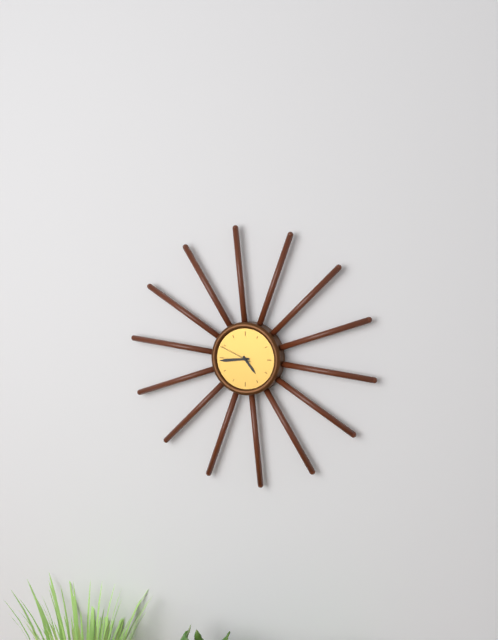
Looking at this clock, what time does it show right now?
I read 4:44
